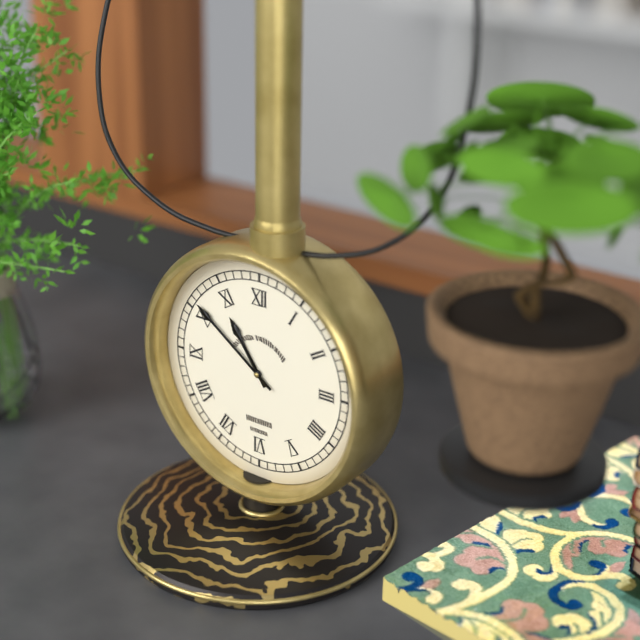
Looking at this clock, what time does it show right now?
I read 10:51
